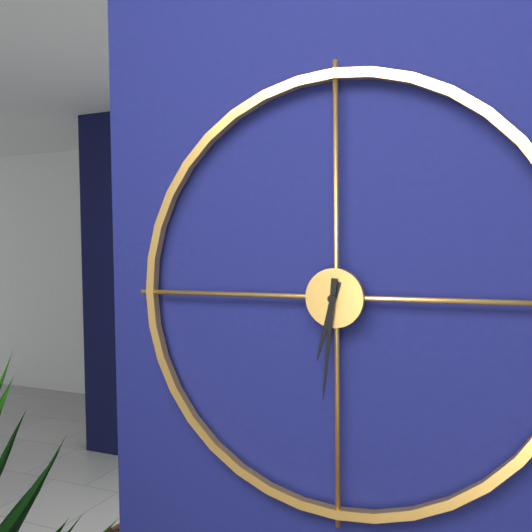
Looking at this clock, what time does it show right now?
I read 6:31
